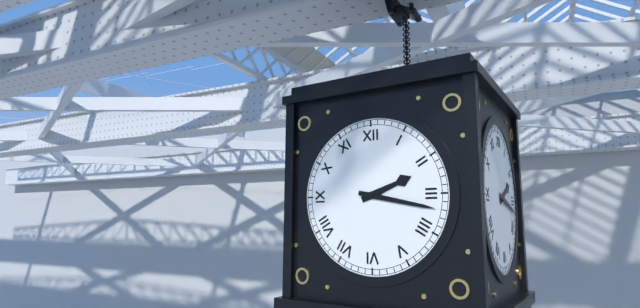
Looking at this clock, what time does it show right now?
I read 2:17
